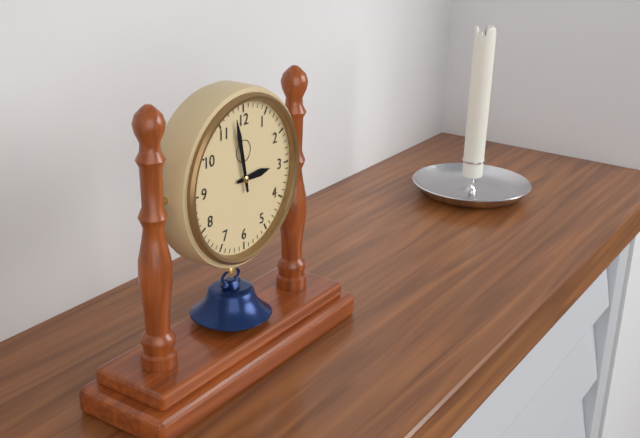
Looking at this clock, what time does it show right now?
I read 2:58
